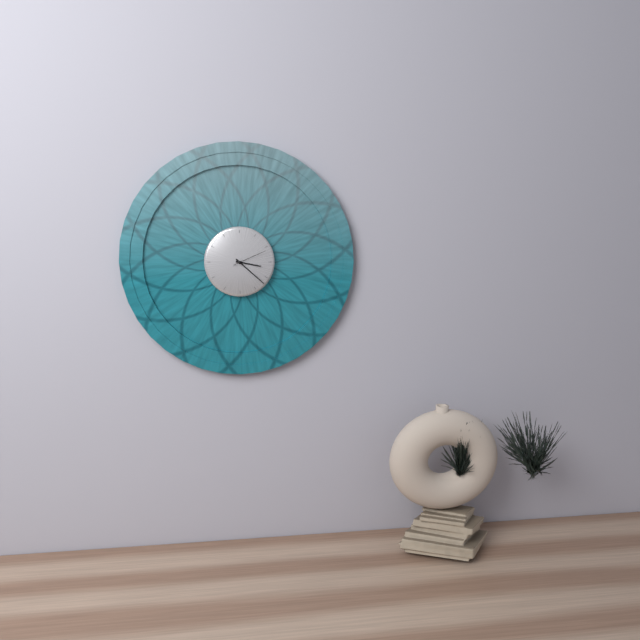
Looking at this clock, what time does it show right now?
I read 3:22
